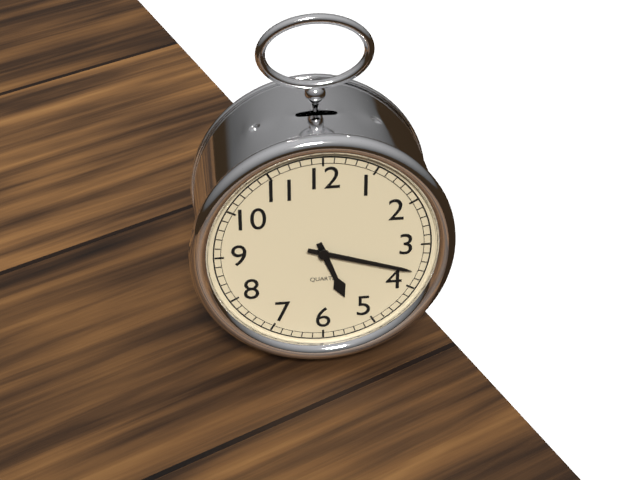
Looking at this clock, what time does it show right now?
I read 5:18
